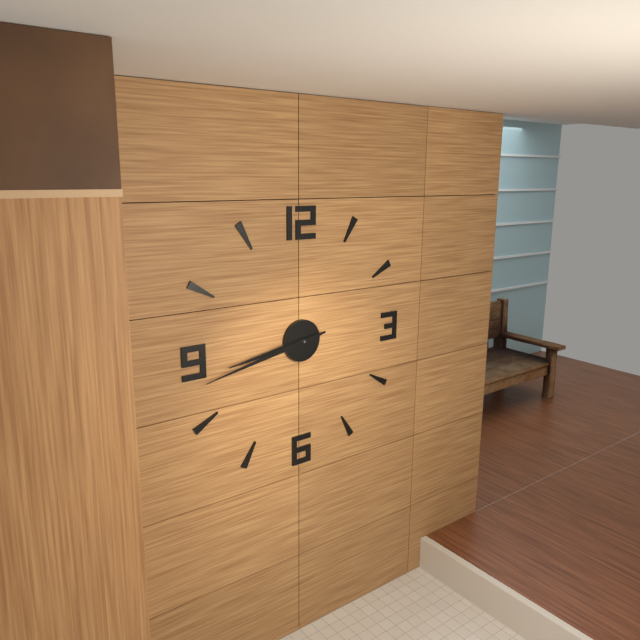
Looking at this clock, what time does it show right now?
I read 8:43
